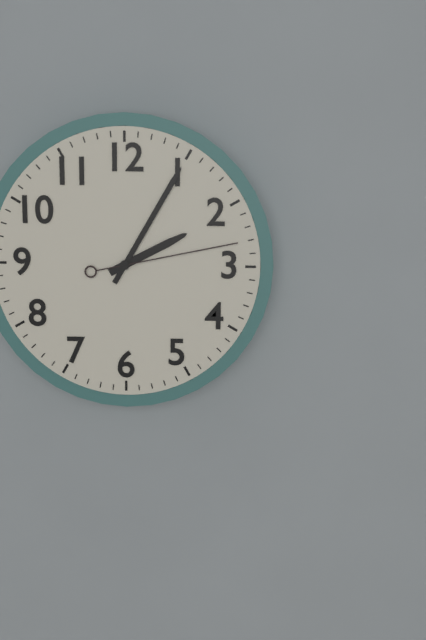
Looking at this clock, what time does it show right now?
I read 2:05:13
